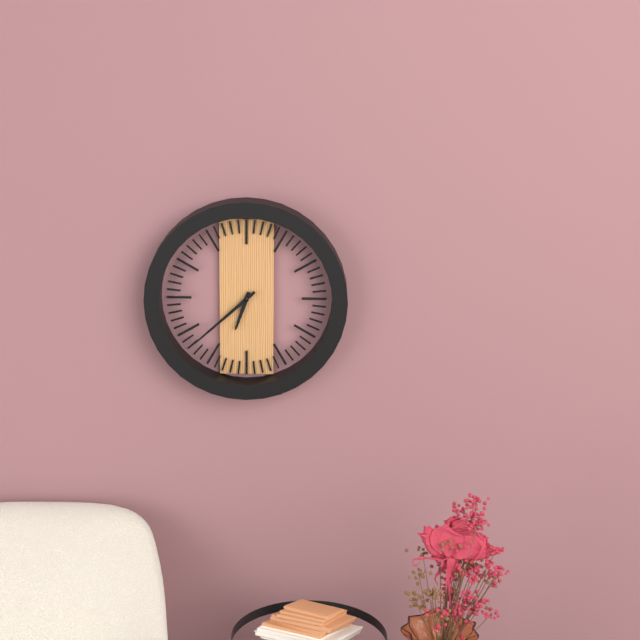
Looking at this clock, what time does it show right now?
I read 6:38
